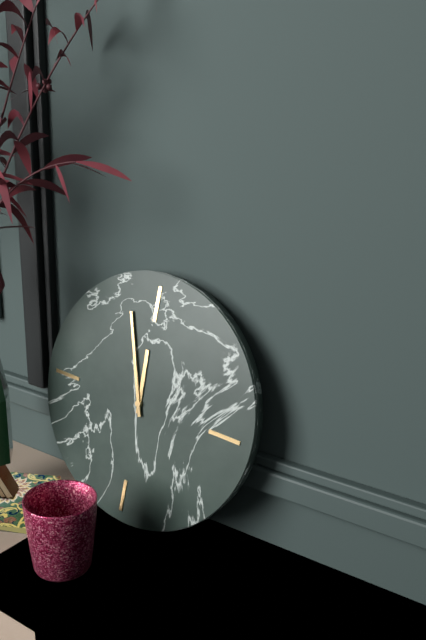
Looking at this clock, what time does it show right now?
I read 11:57
